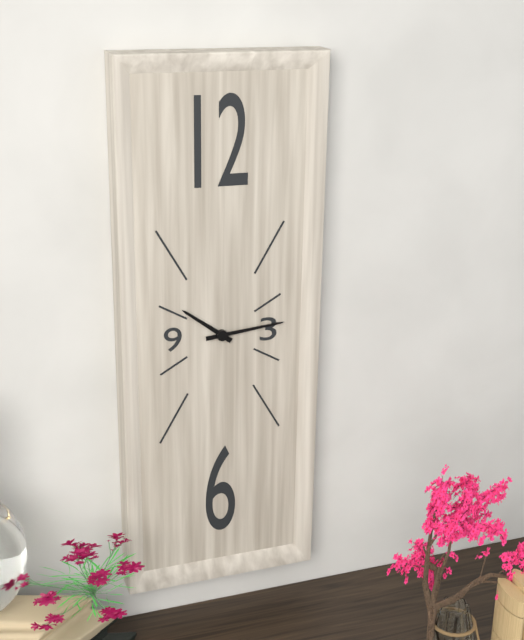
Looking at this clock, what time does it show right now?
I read 10:14
